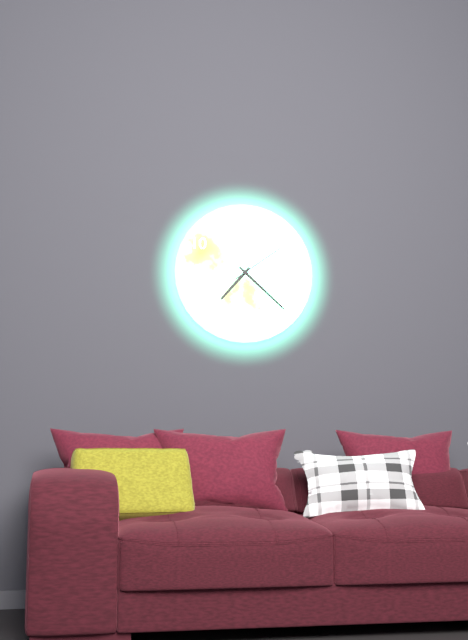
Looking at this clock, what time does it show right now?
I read 7:22:09
